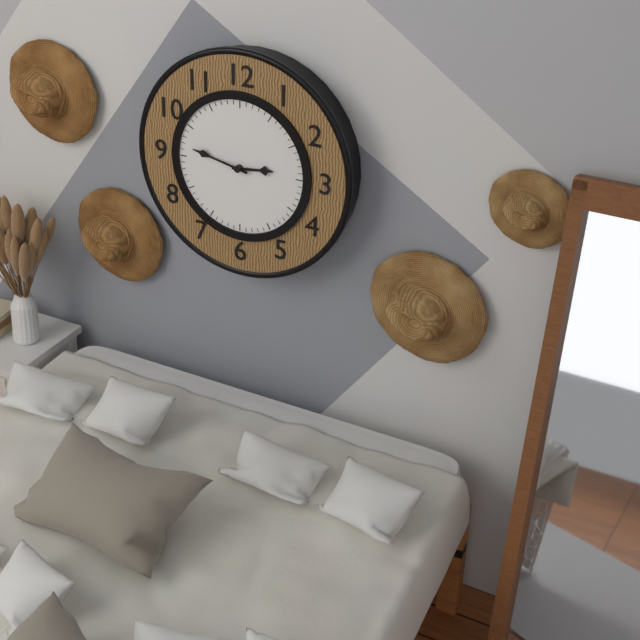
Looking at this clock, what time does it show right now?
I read 2:47
